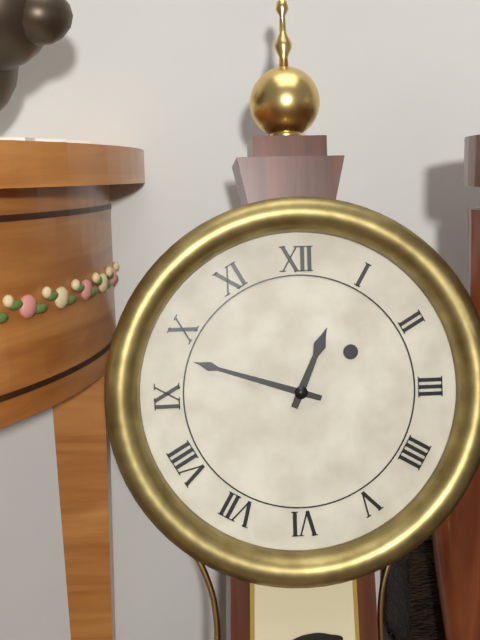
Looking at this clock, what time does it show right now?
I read 12:48
